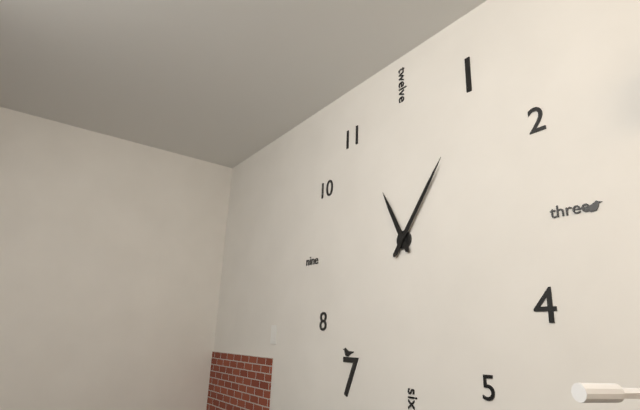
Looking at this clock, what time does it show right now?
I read 11:06
